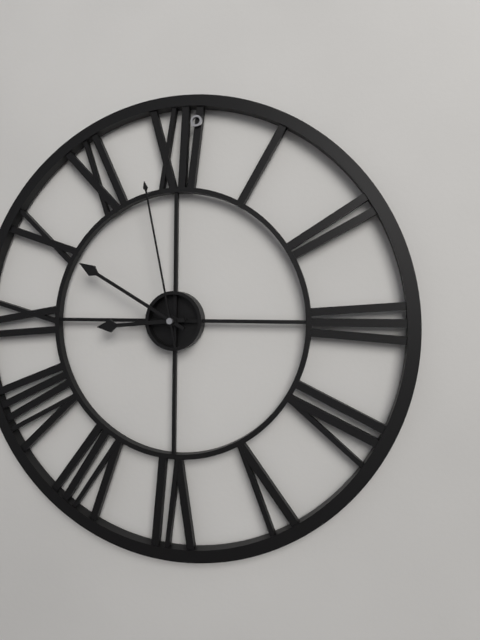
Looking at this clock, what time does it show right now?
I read 8:50:58
